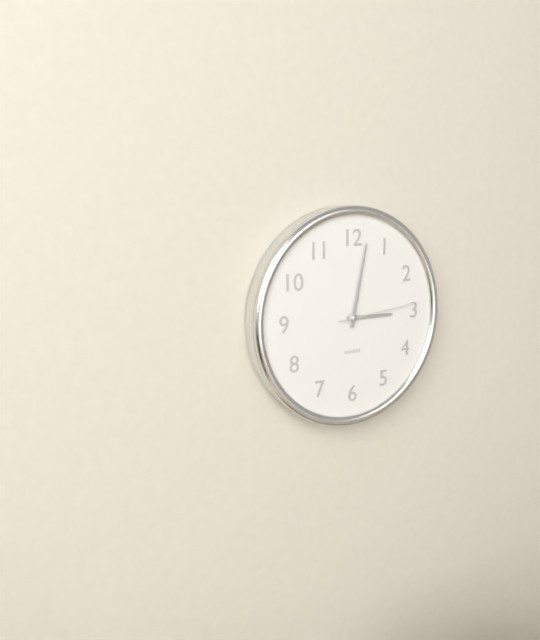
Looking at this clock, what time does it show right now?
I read 3:02:14
